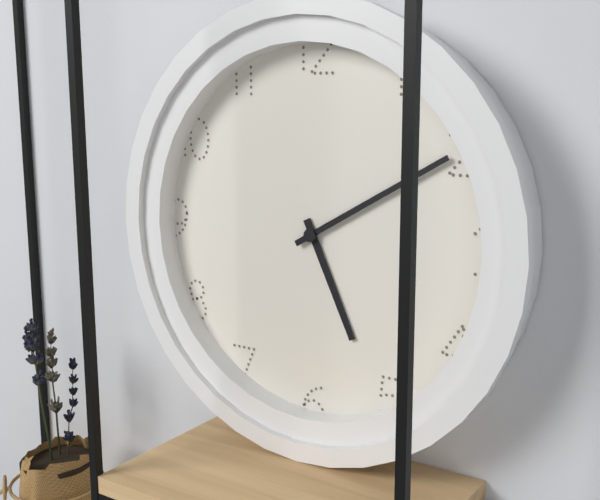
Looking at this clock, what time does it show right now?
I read 5:10
